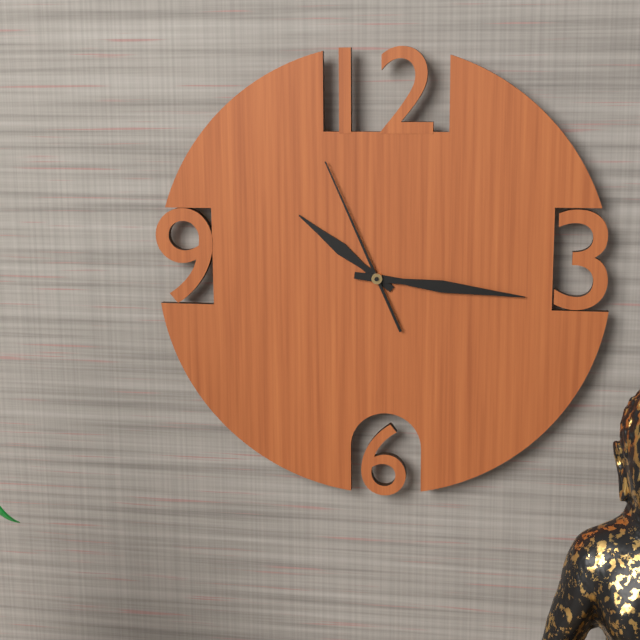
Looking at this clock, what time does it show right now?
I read 10:16:56
